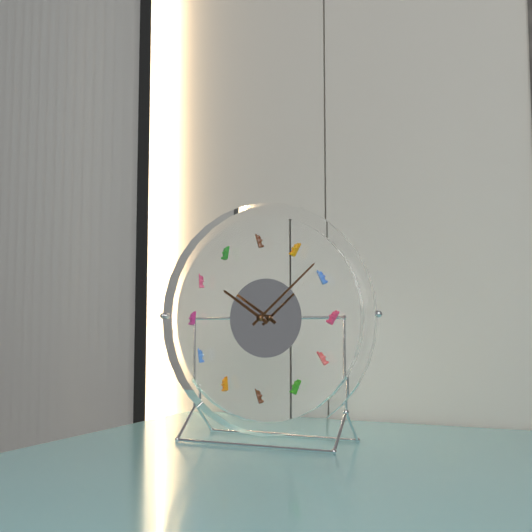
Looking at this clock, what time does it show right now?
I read 10:08
